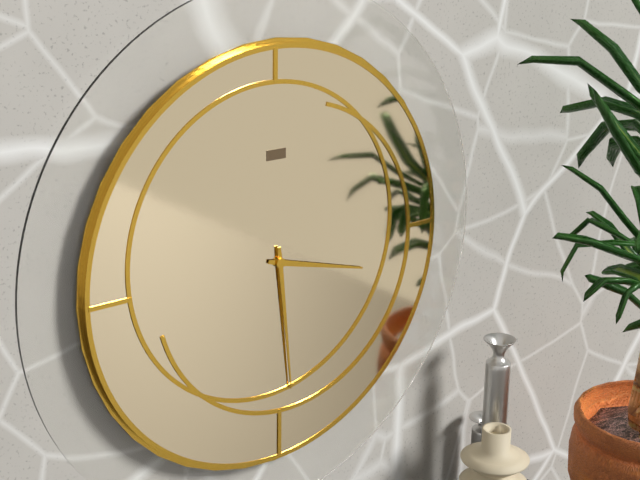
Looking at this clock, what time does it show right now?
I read 3:29
